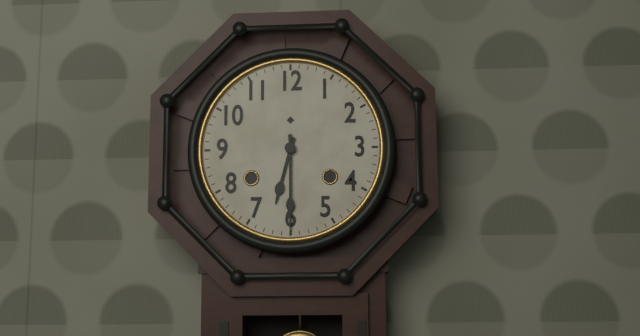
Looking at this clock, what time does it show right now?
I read 6:30
